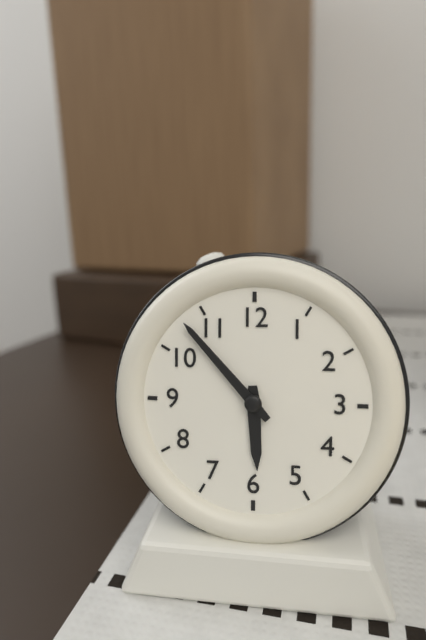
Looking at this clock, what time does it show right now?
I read 5:53
